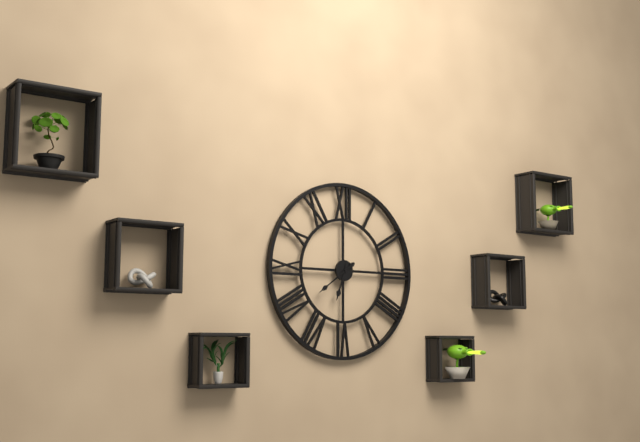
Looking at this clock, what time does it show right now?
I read 6:39
